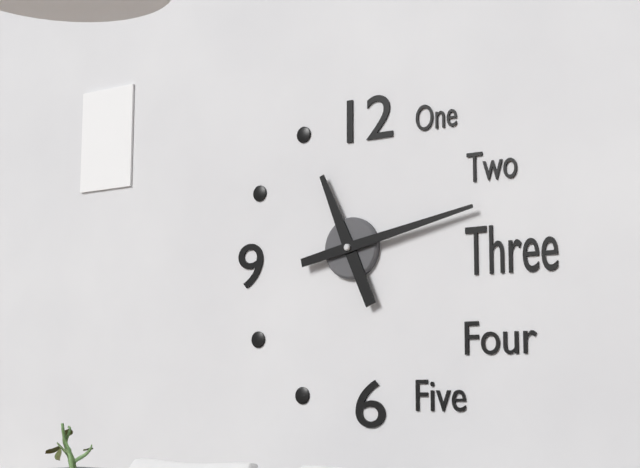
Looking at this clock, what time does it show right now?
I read 11:13
